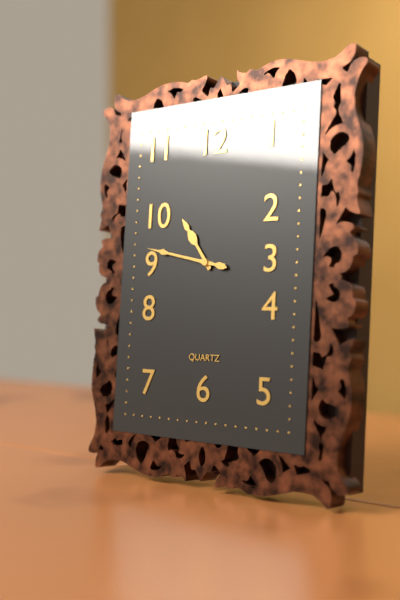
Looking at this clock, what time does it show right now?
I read 10:47
